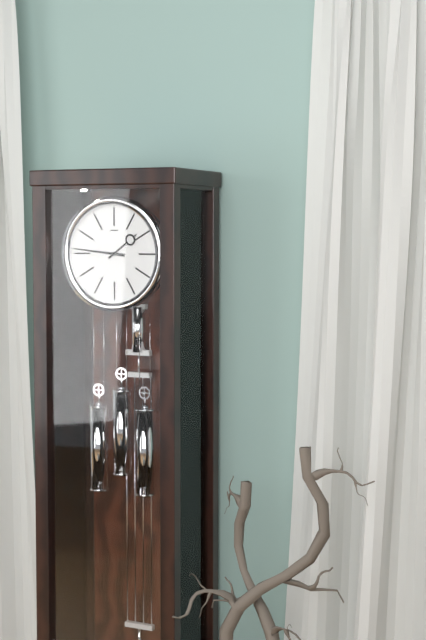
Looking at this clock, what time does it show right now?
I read 1:46
